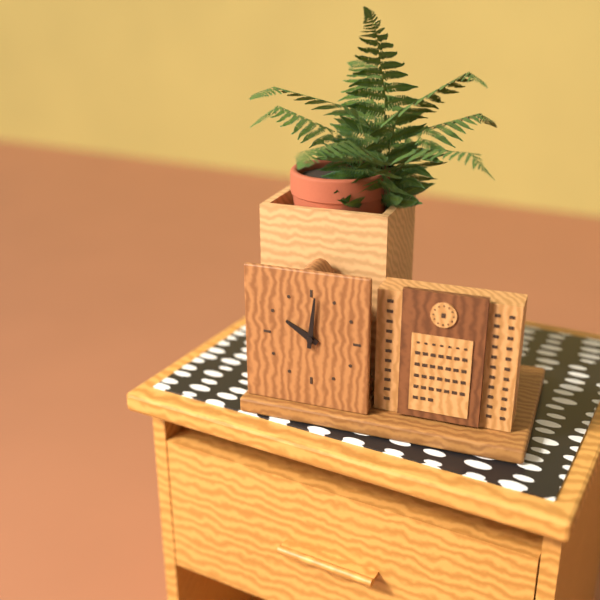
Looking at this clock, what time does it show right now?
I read 10:01
